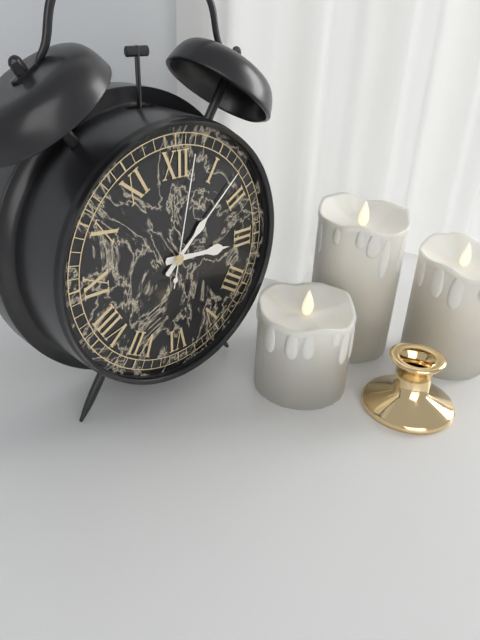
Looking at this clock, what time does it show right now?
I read 3:08:02
